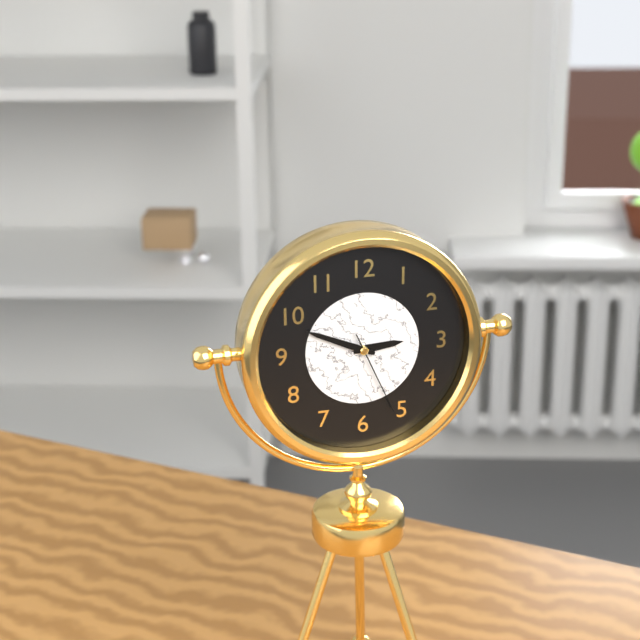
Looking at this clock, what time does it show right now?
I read 2:49:26
